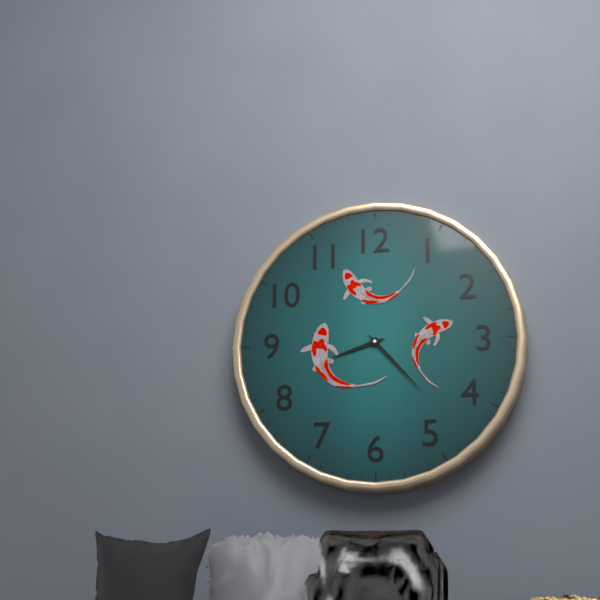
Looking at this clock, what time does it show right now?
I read 8:23
